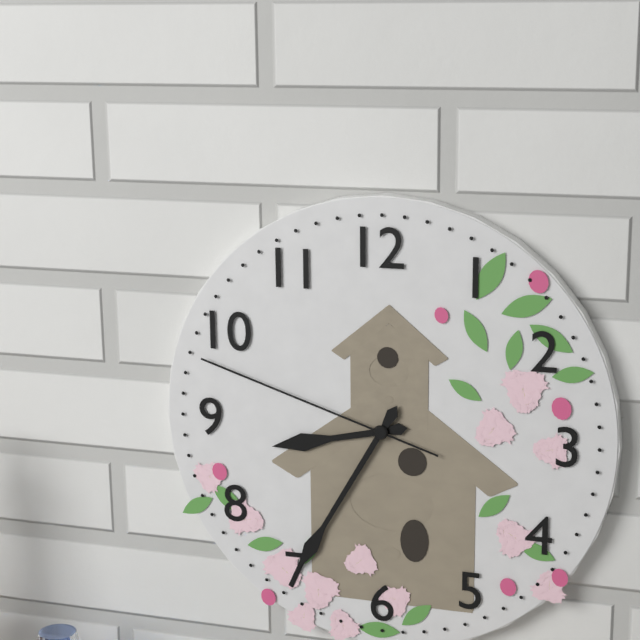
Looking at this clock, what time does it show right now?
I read 8:35:48
